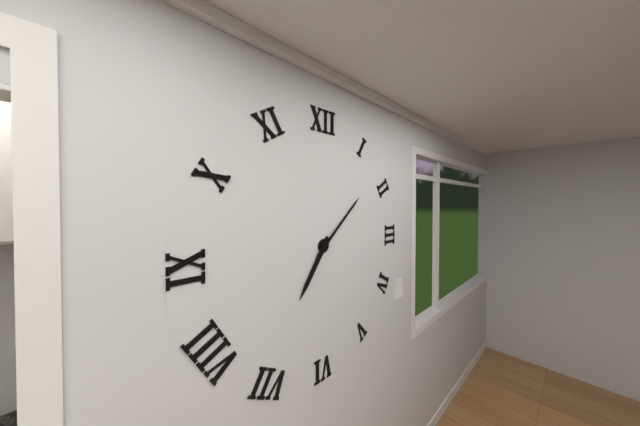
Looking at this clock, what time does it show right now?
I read 7:08
